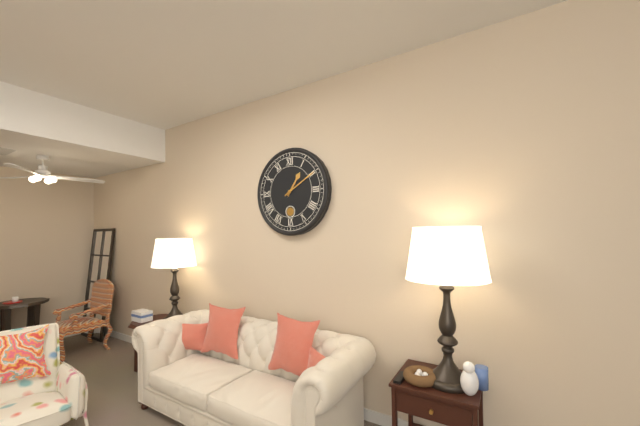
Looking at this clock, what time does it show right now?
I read 1:10
